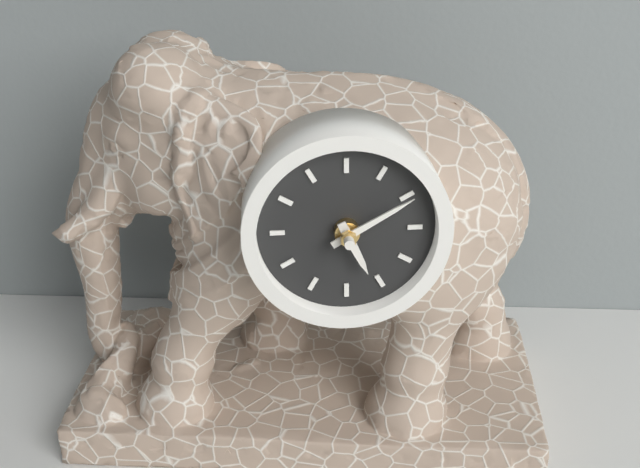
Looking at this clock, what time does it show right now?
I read 5:10
